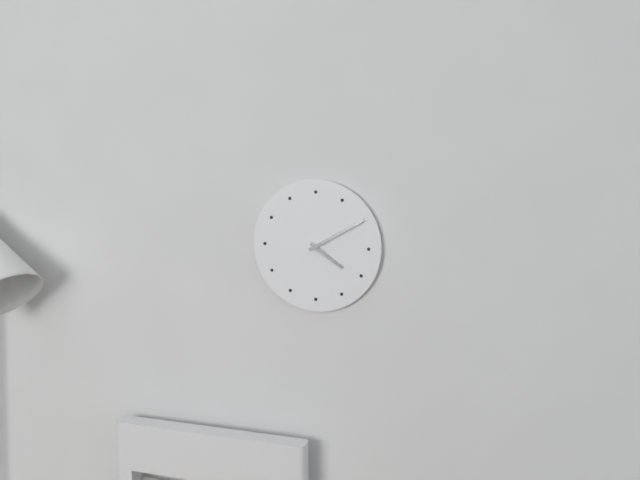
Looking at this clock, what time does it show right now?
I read 4:10
